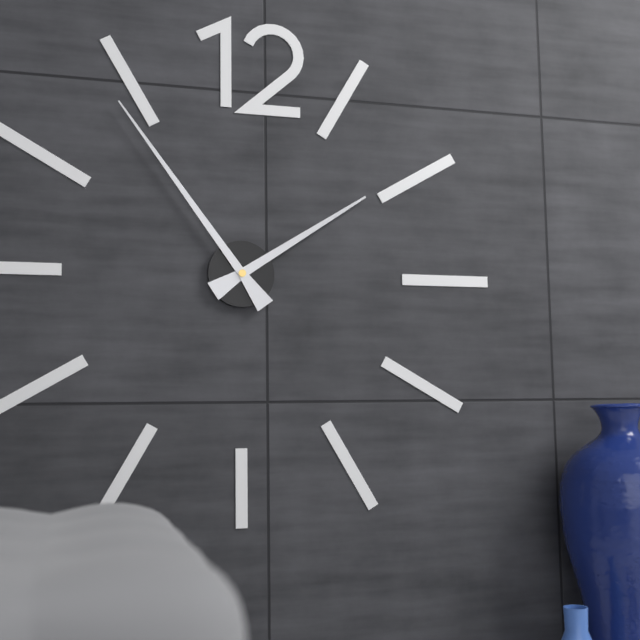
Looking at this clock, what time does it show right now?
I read 1:54
